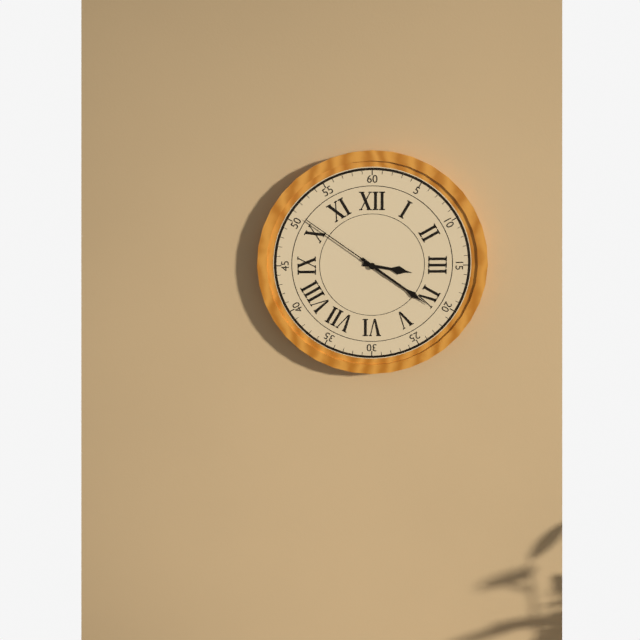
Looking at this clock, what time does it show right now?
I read 3:21:51
